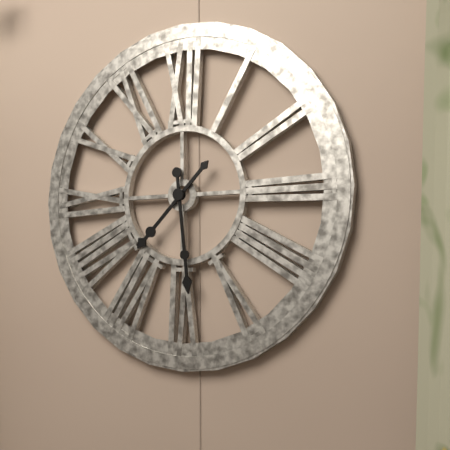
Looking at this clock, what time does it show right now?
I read 7:29
